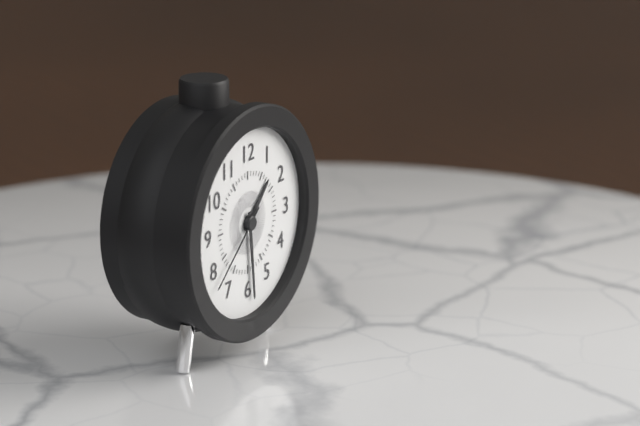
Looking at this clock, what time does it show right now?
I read 1:29:38
